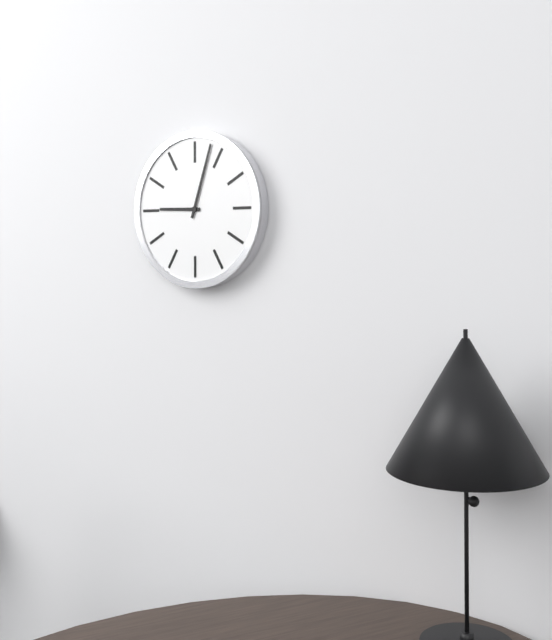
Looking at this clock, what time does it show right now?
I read 9:03
